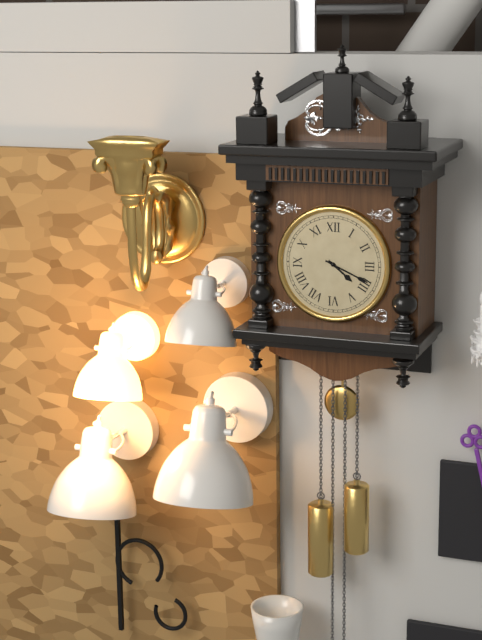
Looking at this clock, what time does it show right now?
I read 4:19
